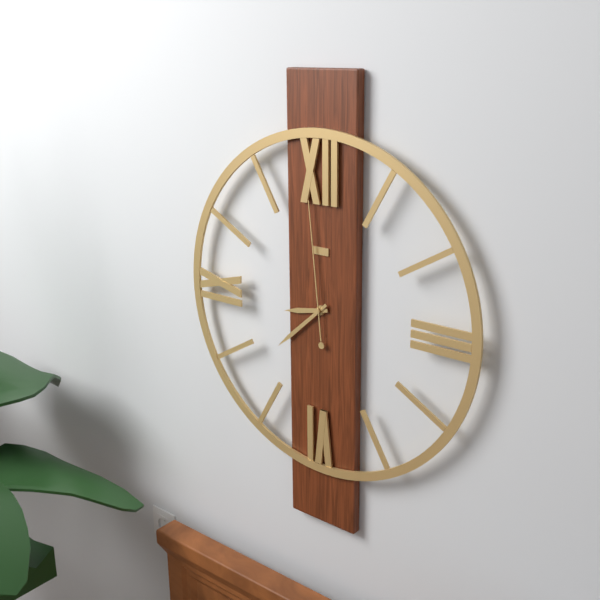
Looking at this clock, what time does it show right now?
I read 8:38:59
